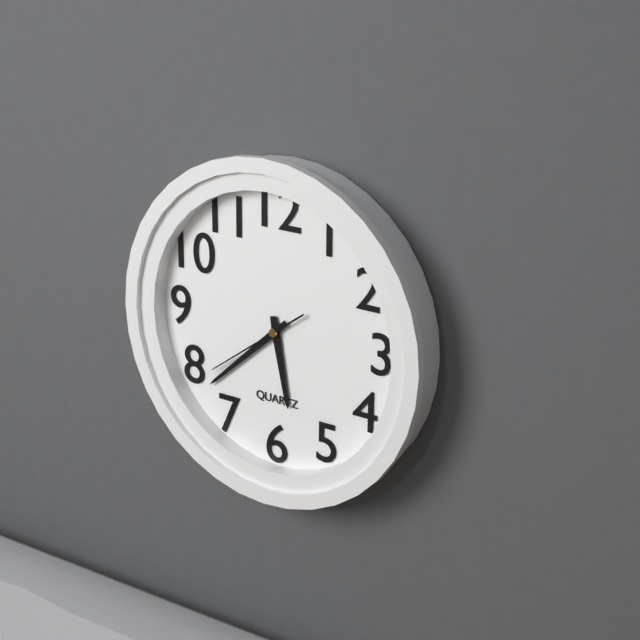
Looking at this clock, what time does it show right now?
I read 5:38:39
